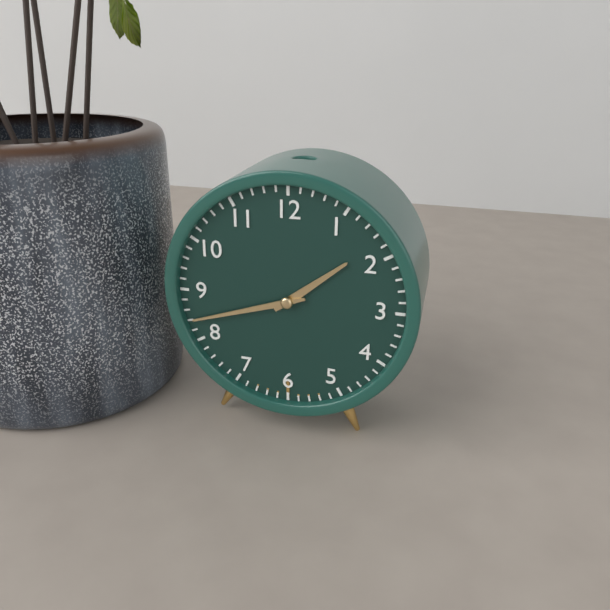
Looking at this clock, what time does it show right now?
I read 1:42
